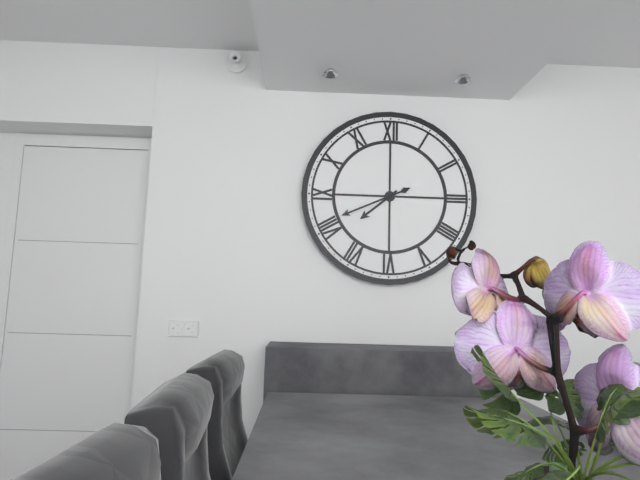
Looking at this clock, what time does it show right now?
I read 7:41
